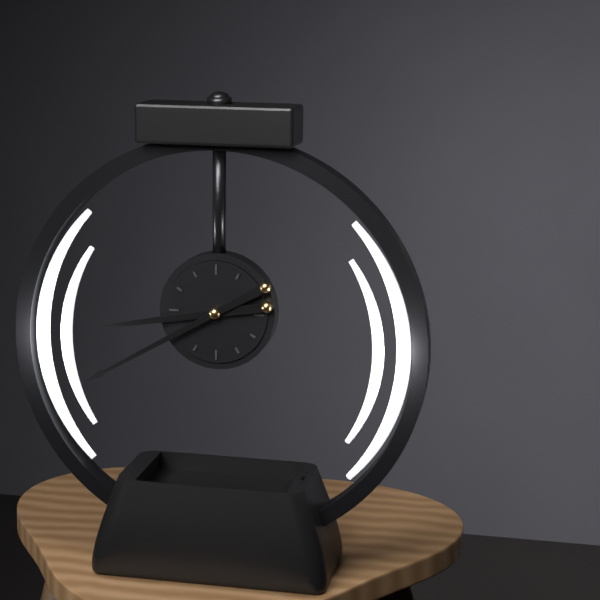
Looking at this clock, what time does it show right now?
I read 8:40
